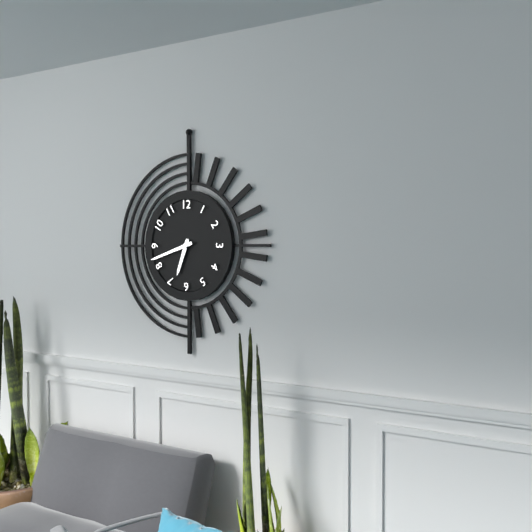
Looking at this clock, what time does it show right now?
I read 6:42
